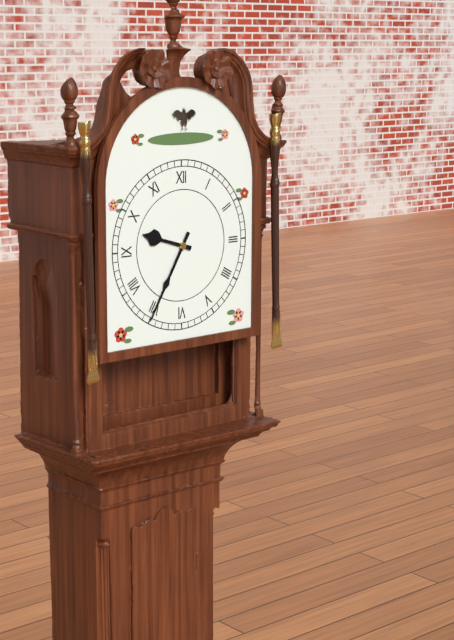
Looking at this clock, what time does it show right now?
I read 9:35
